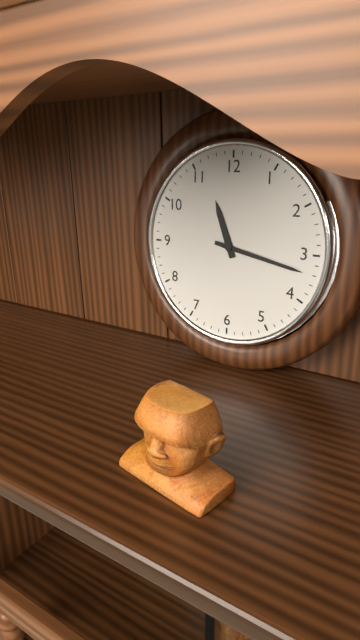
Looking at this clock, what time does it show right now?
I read 11:17
